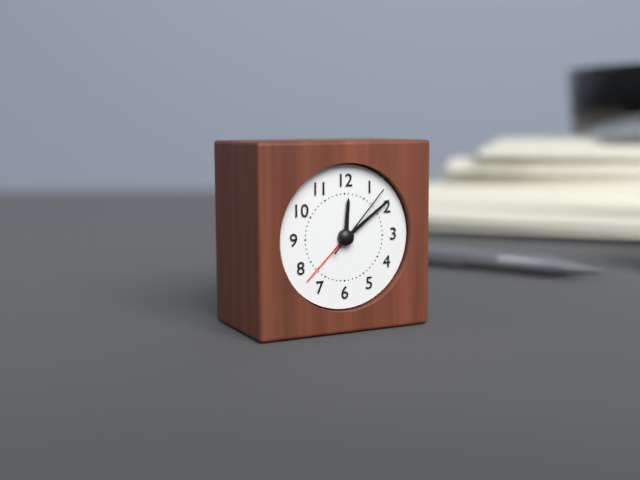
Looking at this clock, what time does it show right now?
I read 12:09:07
